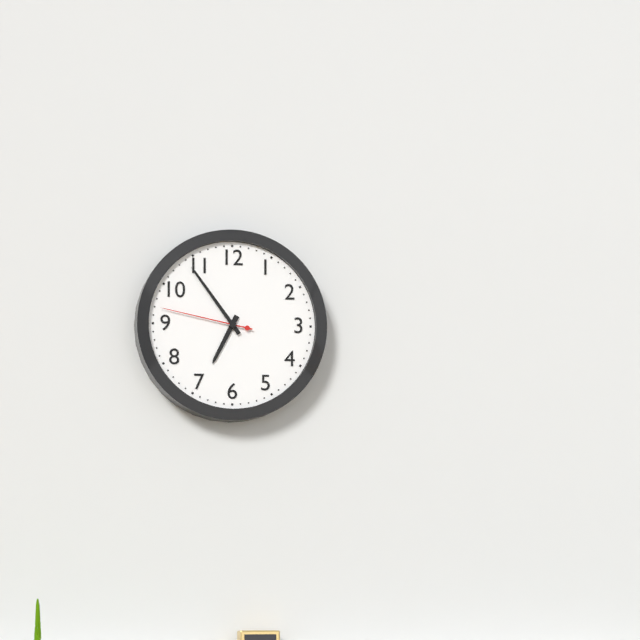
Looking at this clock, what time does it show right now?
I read 6:54:47
